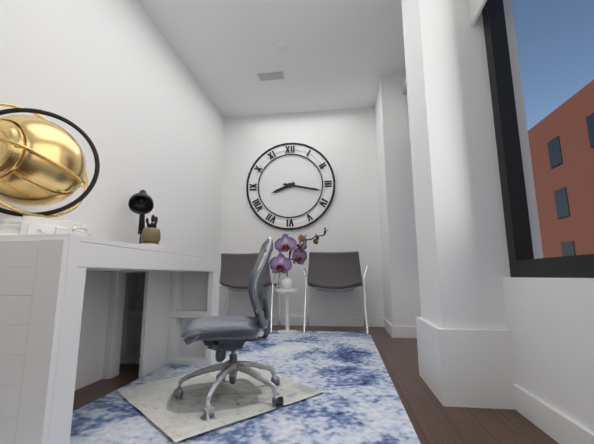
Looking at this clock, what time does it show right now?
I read 8:17
